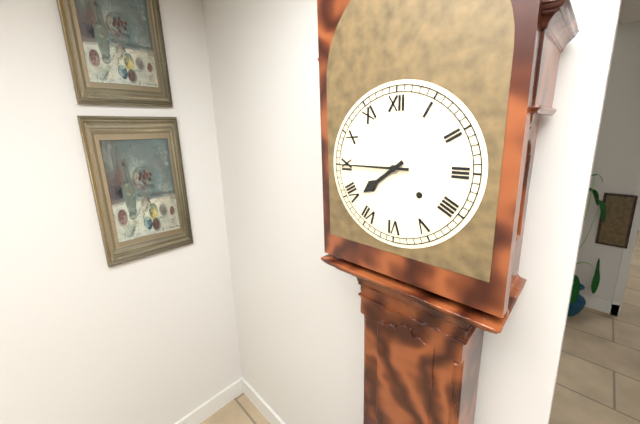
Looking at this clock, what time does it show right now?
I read 7:45
